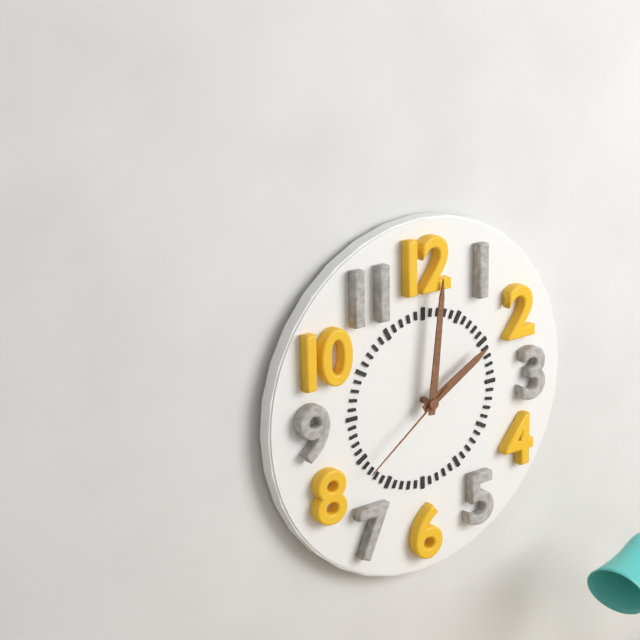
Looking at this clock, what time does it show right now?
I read 2:01:39
